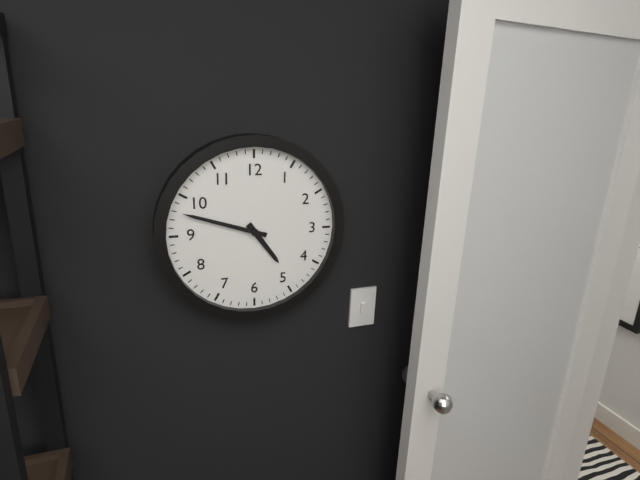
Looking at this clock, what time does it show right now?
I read 4:48
